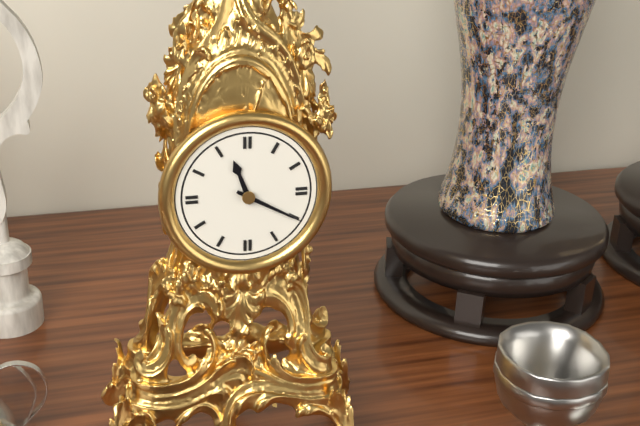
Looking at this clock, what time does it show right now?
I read 11:20
